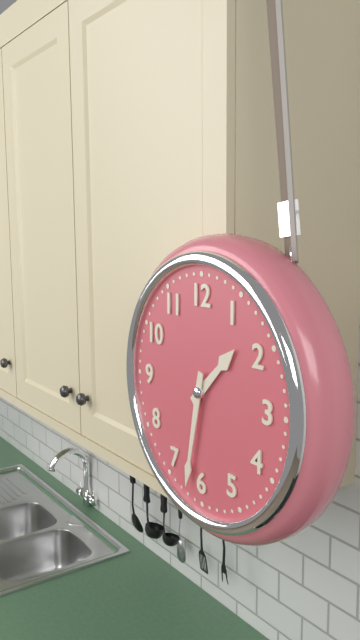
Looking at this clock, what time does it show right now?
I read 1:32
